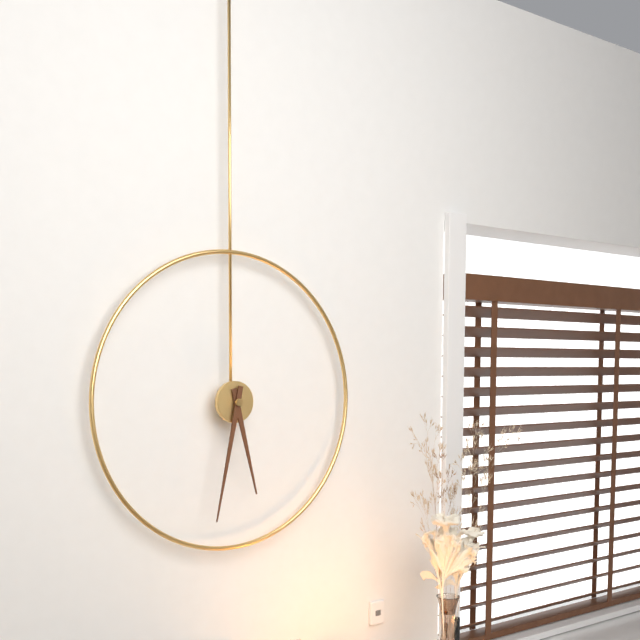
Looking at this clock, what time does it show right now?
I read 5:32
